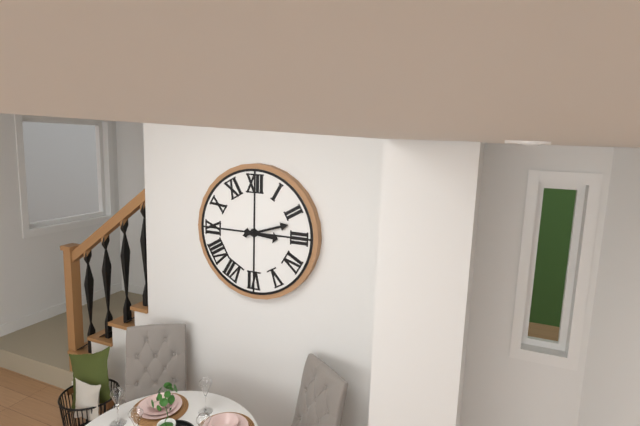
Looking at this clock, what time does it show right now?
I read 3:12
